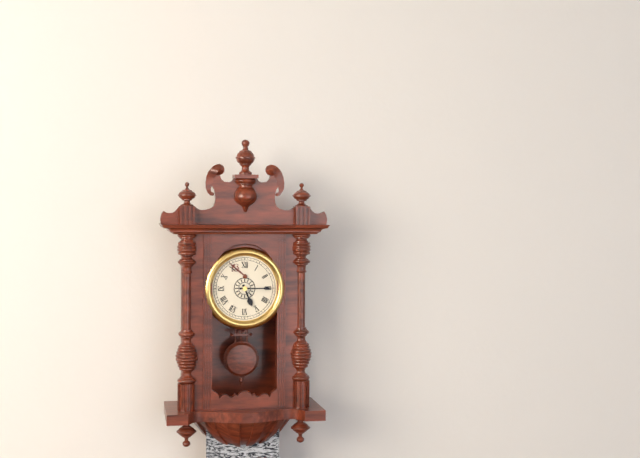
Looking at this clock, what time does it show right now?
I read 5:15
